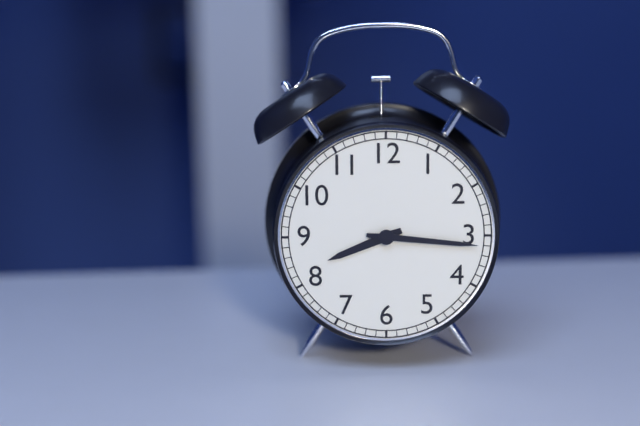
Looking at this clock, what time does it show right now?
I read 8:16
